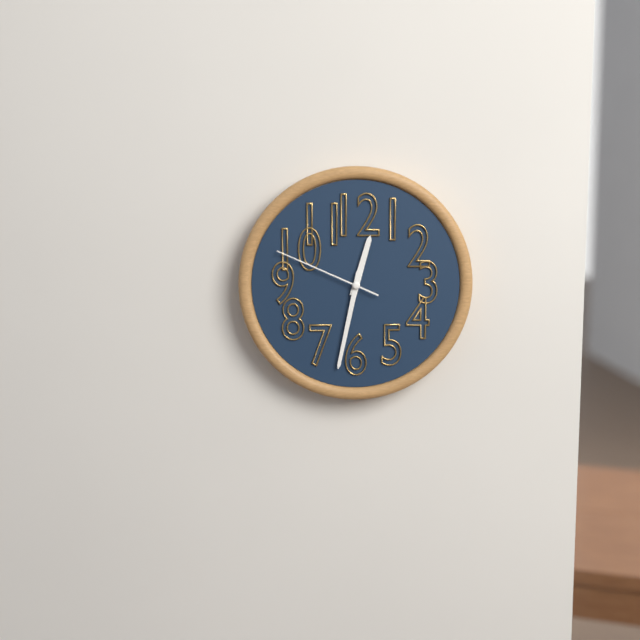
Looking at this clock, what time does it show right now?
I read 12:32:49
